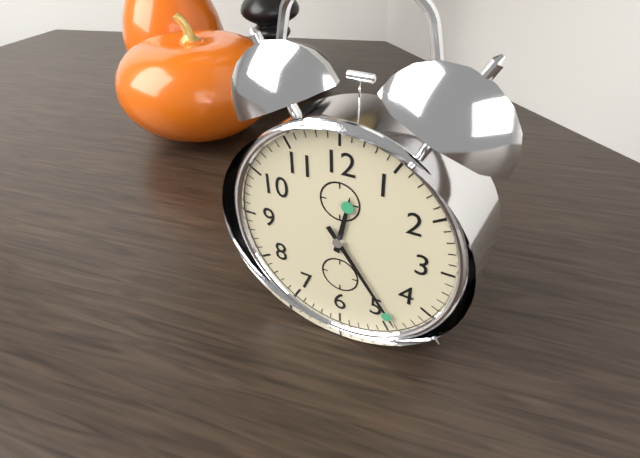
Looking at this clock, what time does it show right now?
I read 12:24
